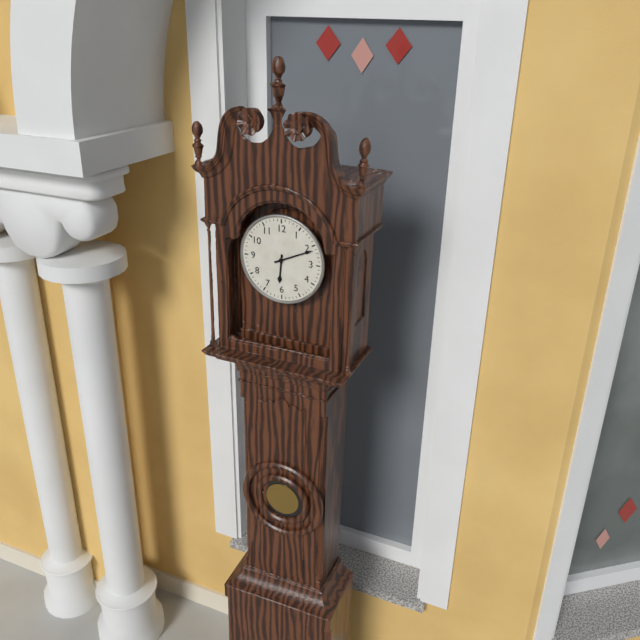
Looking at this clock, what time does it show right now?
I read 6:11
